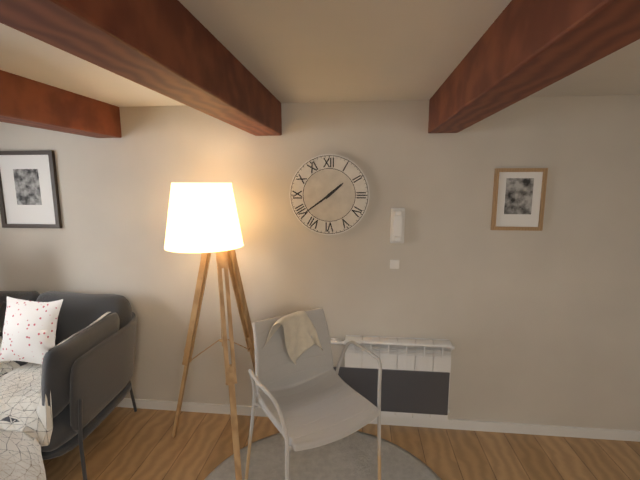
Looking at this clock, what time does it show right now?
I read 1:39
